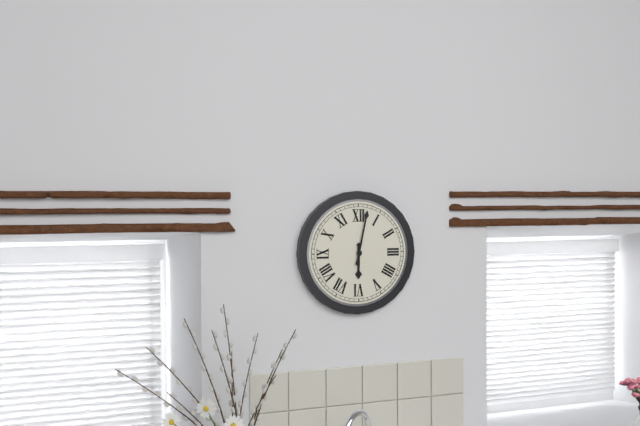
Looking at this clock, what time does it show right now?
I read 6:02
